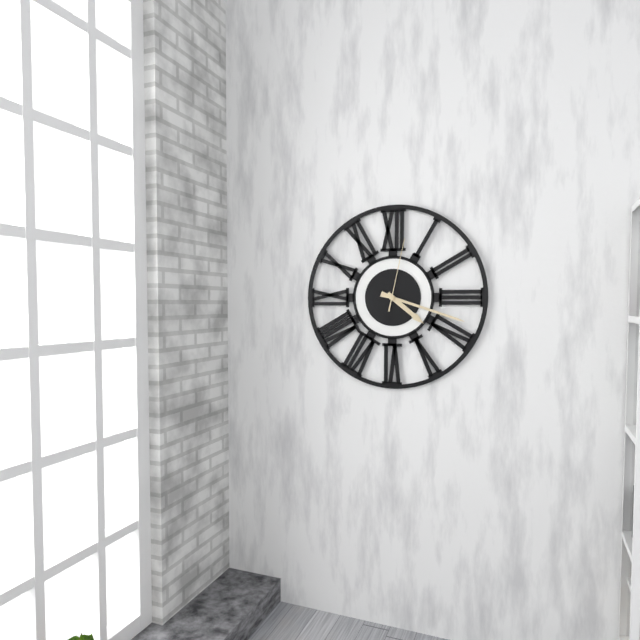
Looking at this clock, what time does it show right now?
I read 4:18:02
